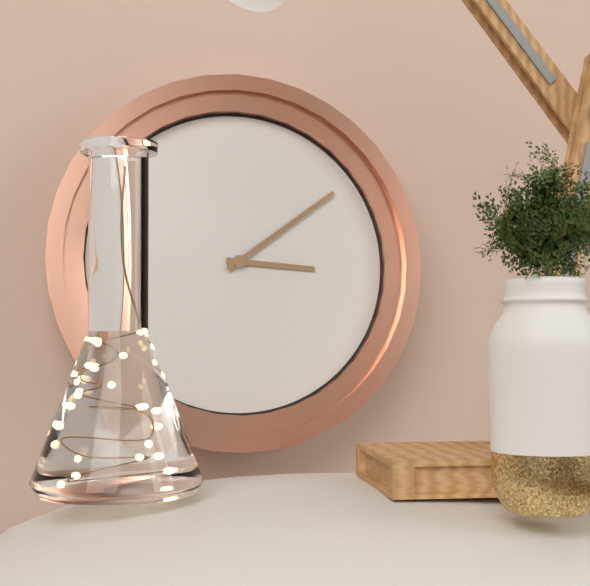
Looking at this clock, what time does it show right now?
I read 3:09
